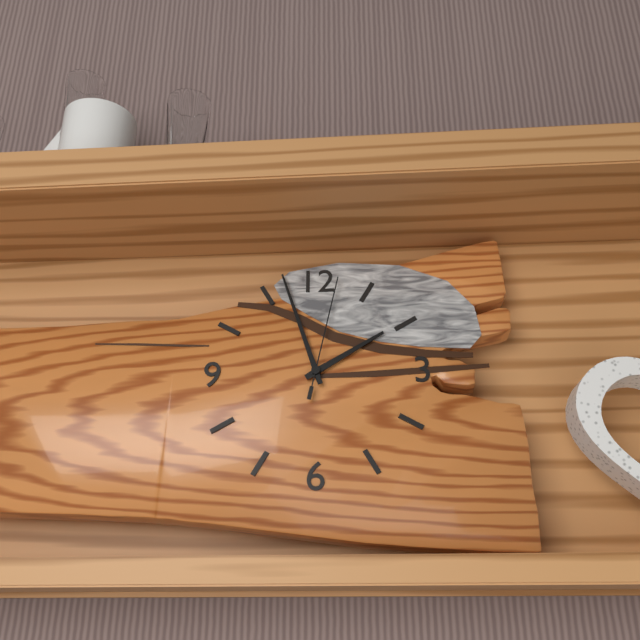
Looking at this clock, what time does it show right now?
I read 1:57:02
